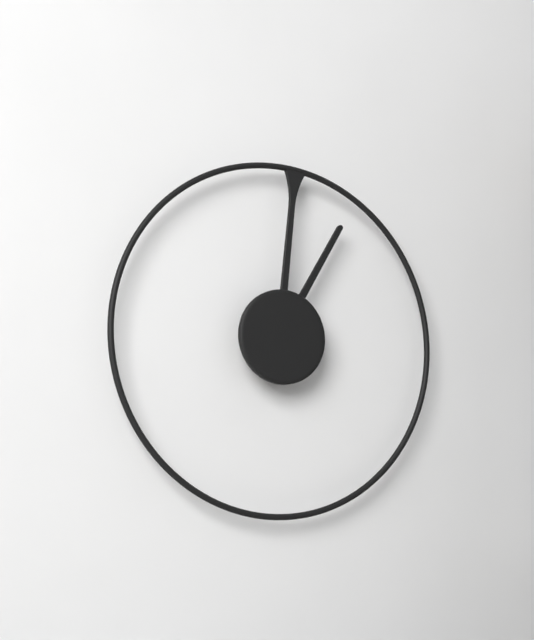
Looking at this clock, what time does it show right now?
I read 1:01
